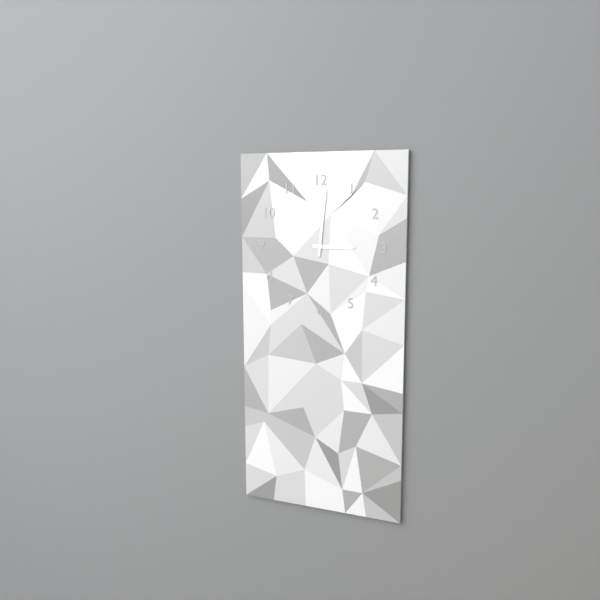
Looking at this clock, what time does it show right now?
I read 3:01
